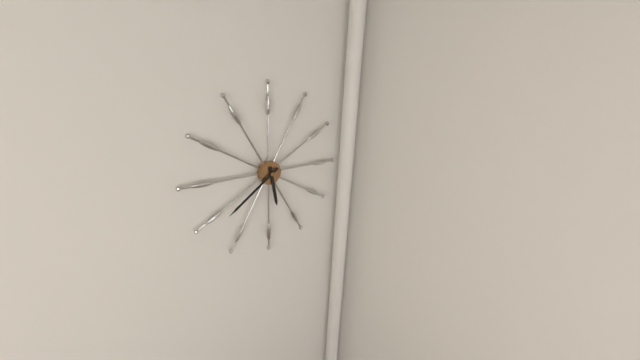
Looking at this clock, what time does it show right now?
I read 5:39
